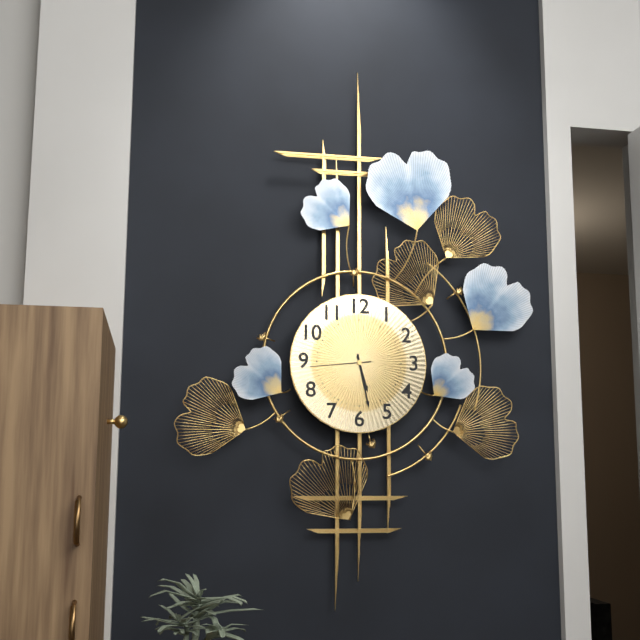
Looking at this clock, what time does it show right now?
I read 5:28:44
